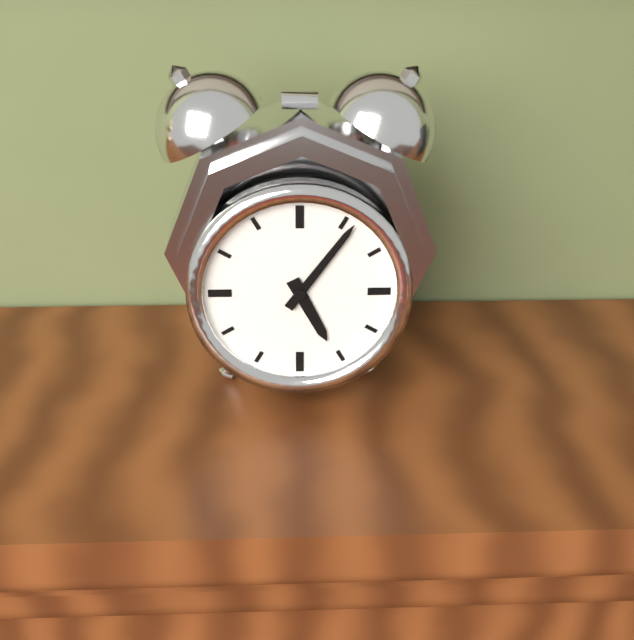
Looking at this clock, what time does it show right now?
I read 5:06
